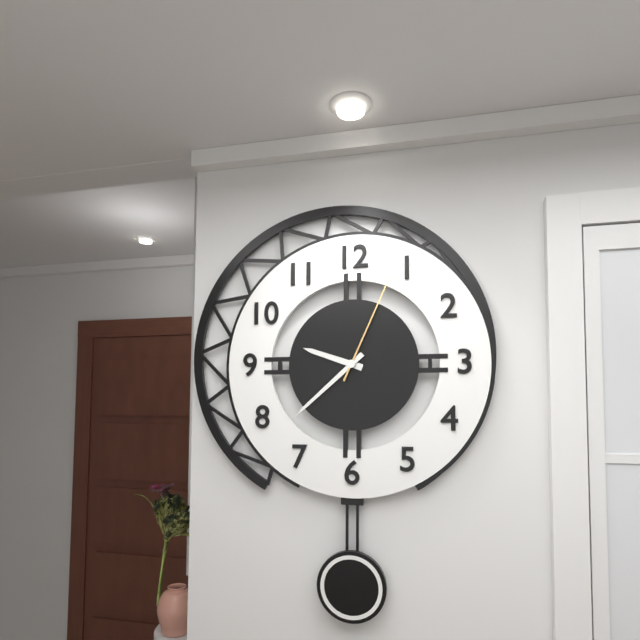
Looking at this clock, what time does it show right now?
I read 9:38:04
